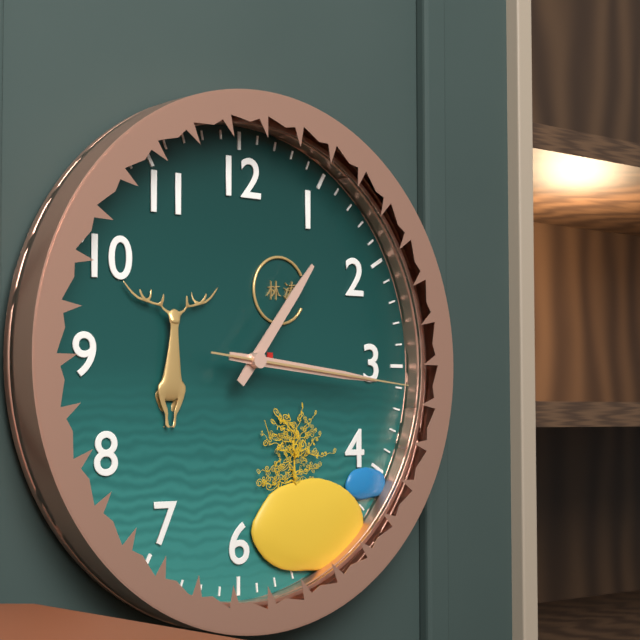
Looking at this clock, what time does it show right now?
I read 1:16:16
